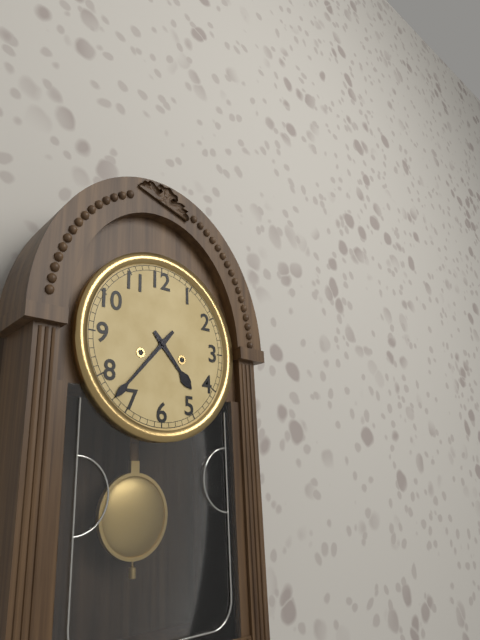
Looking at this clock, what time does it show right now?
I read 4:37
